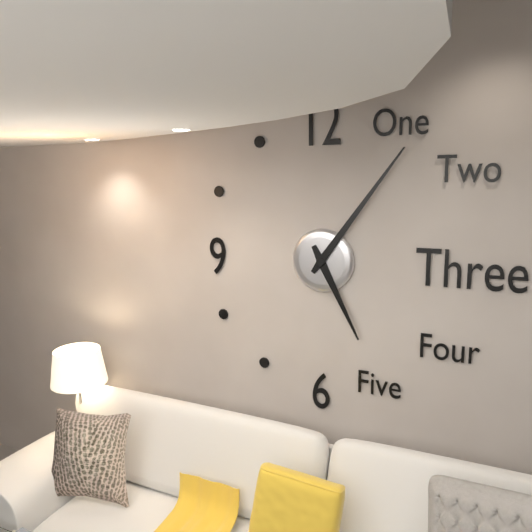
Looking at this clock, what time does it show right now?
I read 5:06
